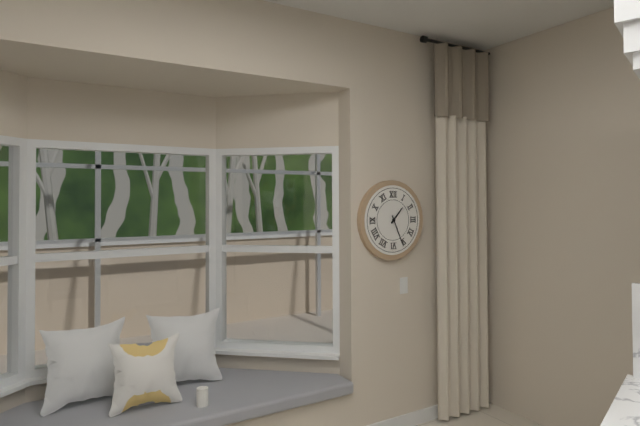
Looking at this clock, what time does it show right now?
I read 1:26
